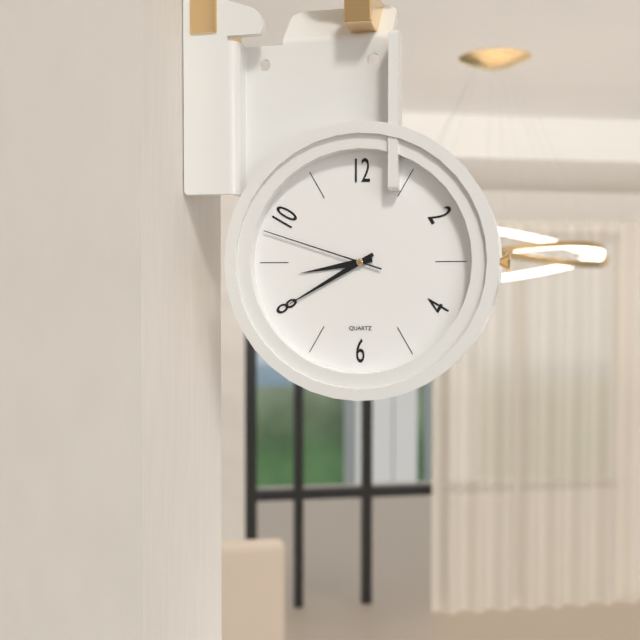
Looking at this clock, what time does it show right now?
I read 8:40:48
